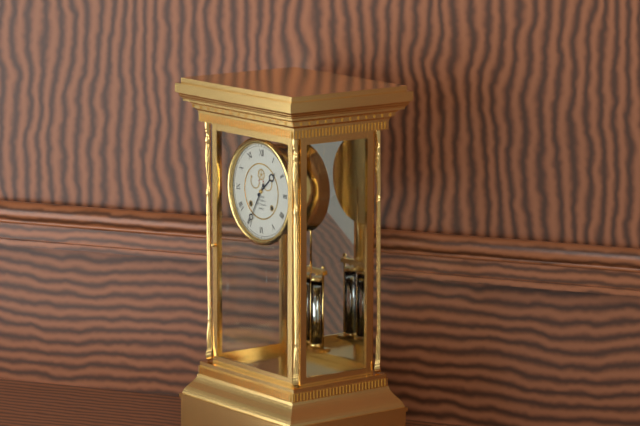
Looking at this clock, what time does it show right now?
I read 1:35
